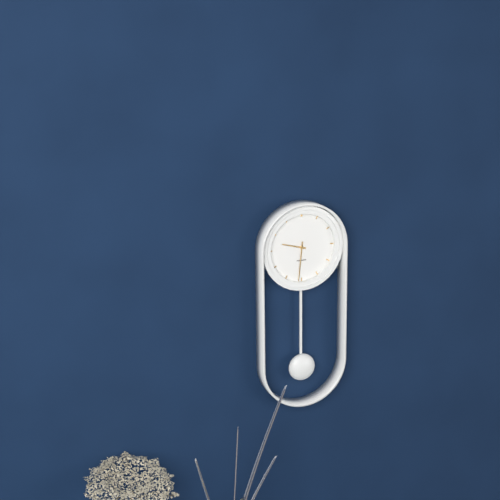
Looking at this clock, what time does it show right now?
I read 9:31
